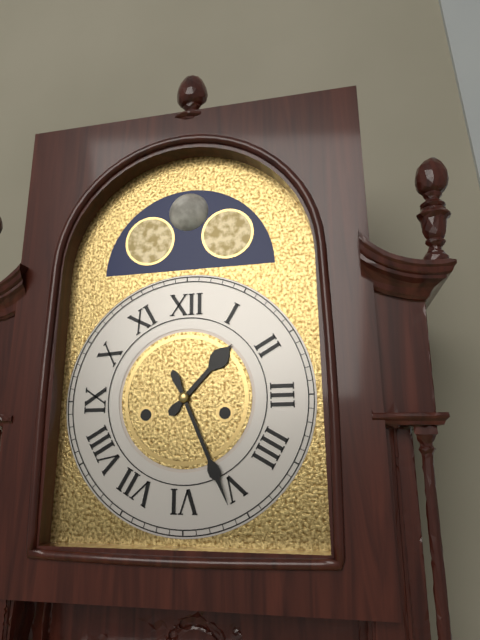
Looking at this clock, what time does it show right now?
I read 1:26
